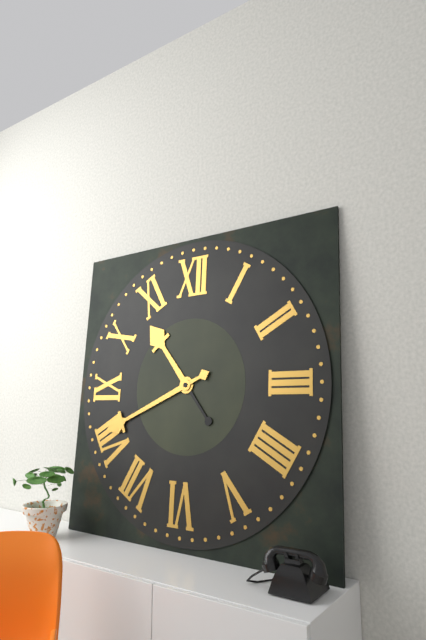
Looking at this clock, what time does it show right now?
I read 10:41
